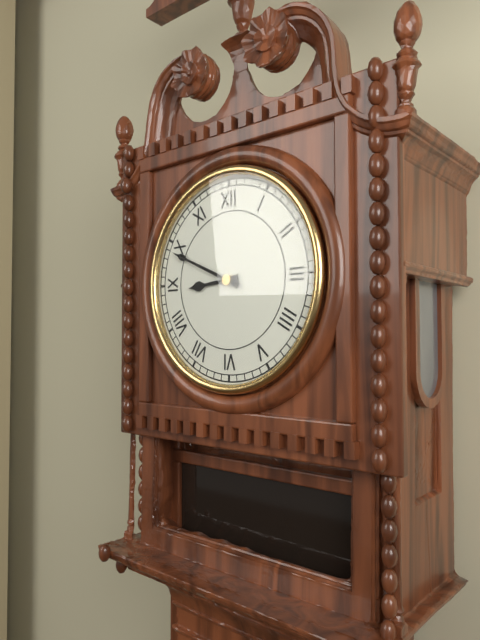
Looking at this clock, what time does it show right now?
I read 8:49
